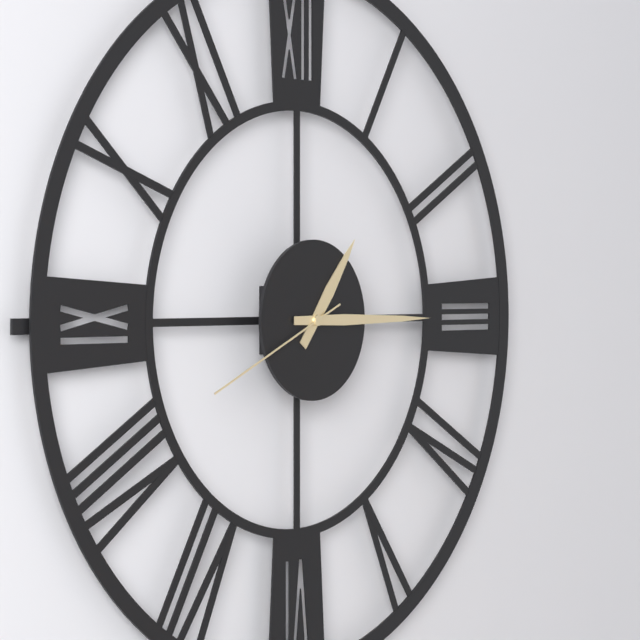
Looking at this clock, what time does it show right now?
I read 1:15:41
